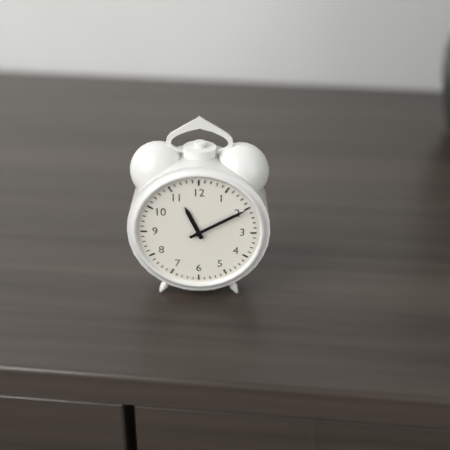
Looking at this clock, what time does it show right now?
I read 11:10
